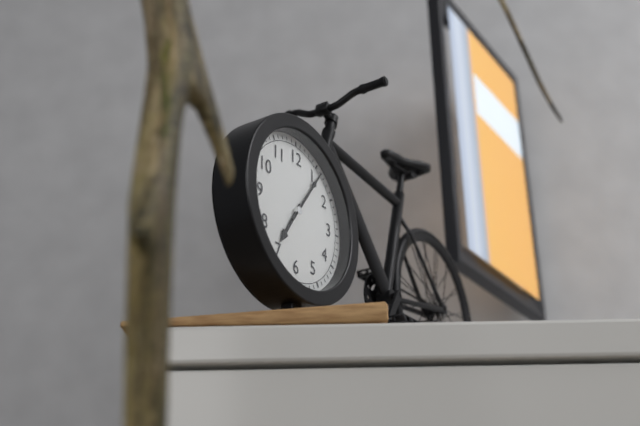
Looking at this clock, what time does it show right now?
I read 7:06
